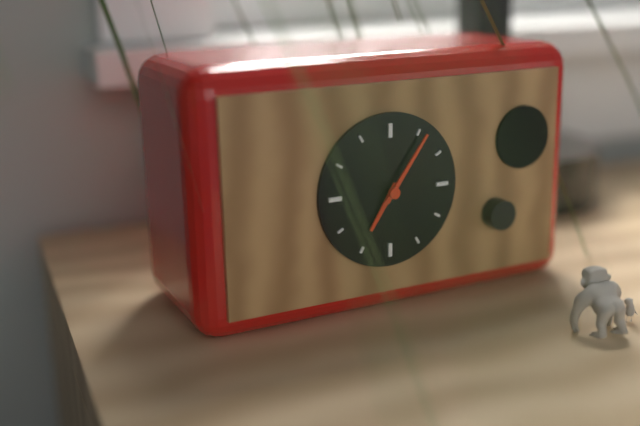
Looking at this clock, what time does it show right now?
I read 7:06
